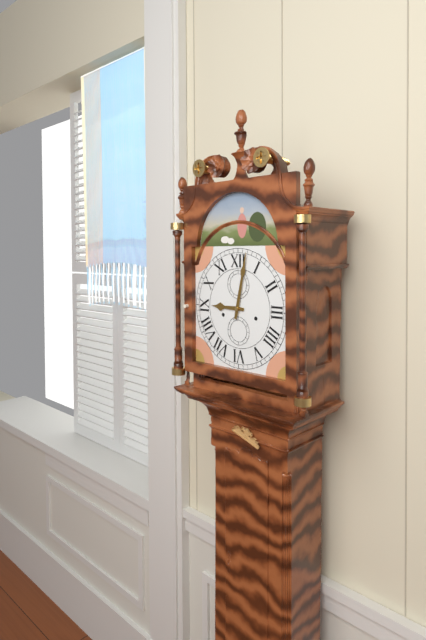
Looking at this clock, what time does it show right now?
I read 9:02
